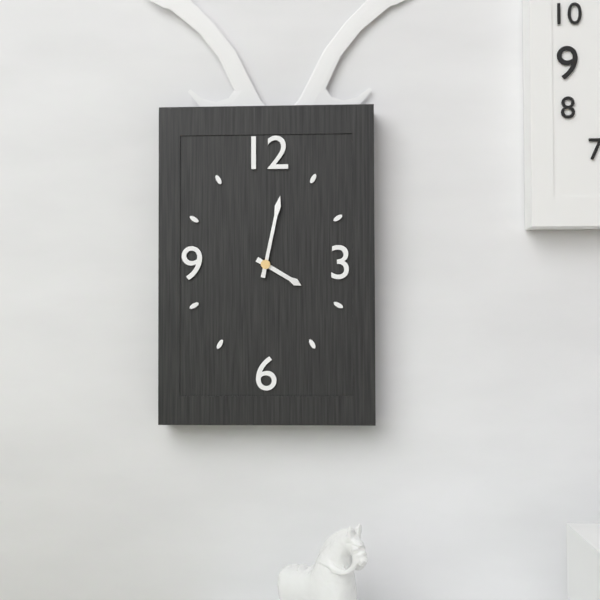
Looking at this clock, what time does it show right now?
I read 4:02
